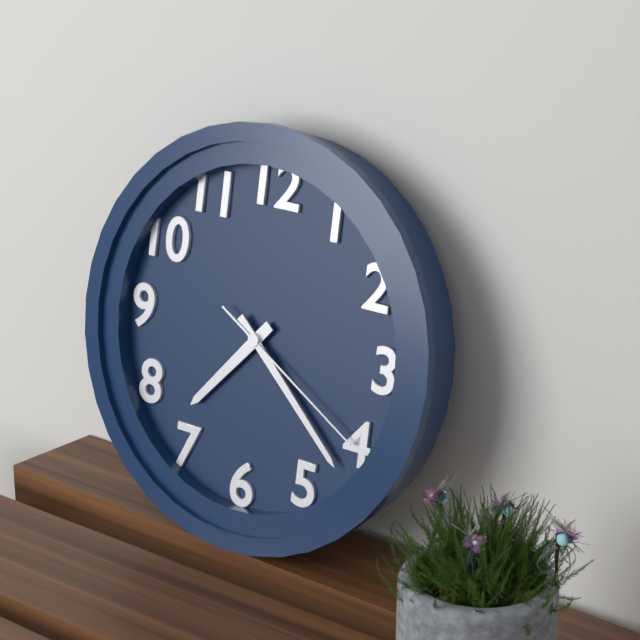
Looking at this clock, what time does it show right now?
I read 7:22:20
